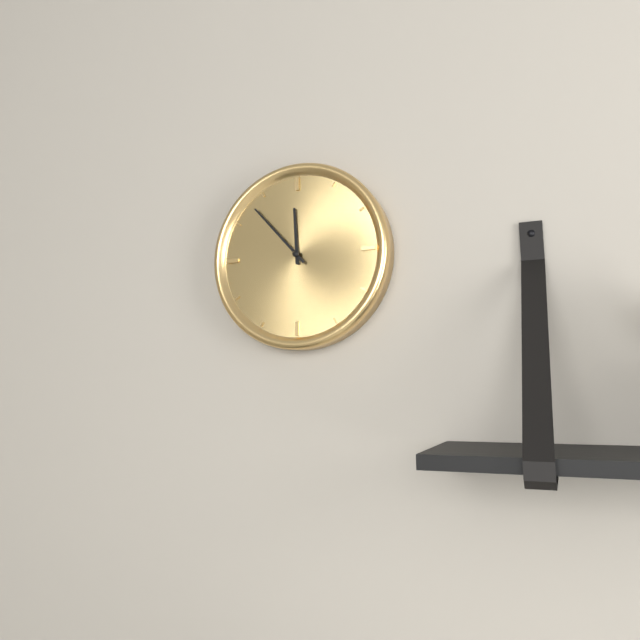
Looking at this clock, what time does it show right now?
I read 11:53
